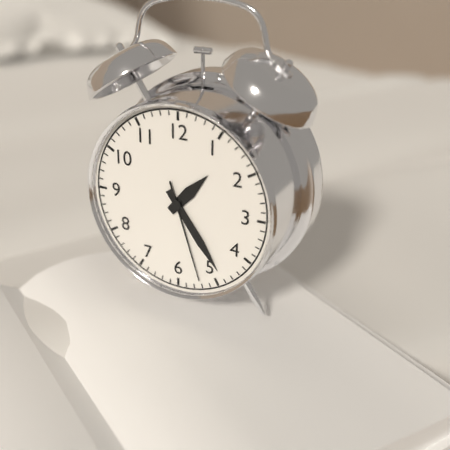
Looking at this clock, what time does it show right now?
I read 1:24:27
